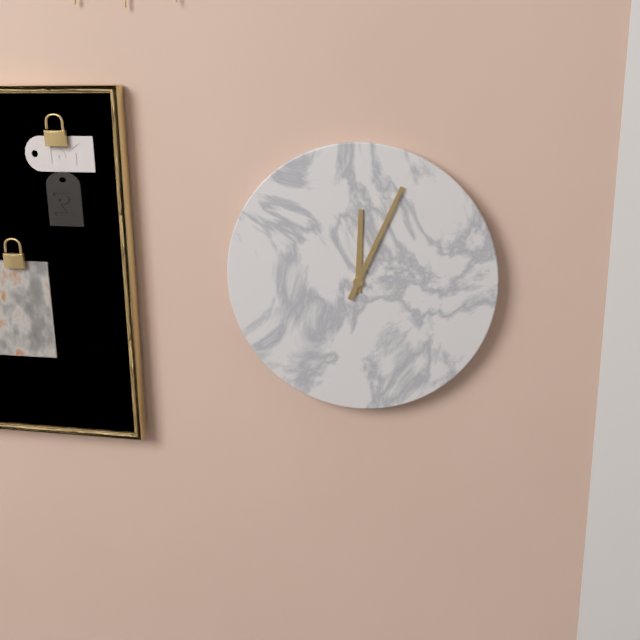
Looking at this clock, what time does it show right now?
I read 12:04
